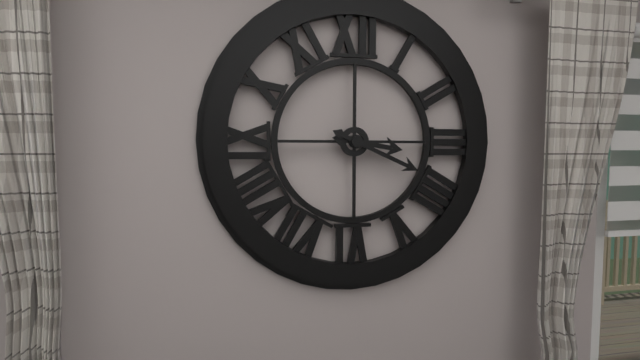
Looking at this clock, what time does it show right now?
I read 3:19
